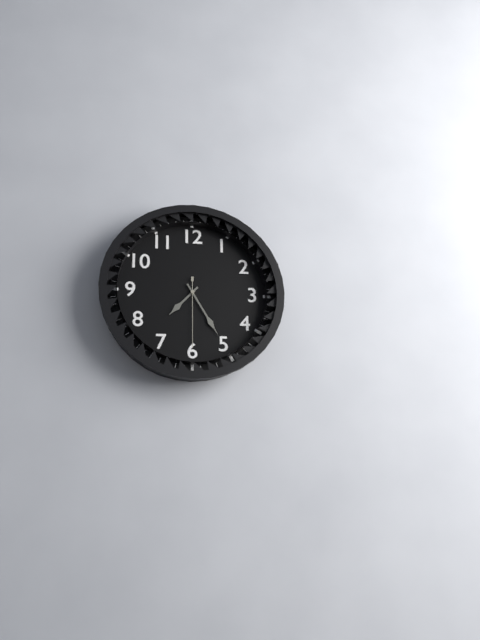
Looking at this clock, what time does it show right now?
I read 7:25:30
